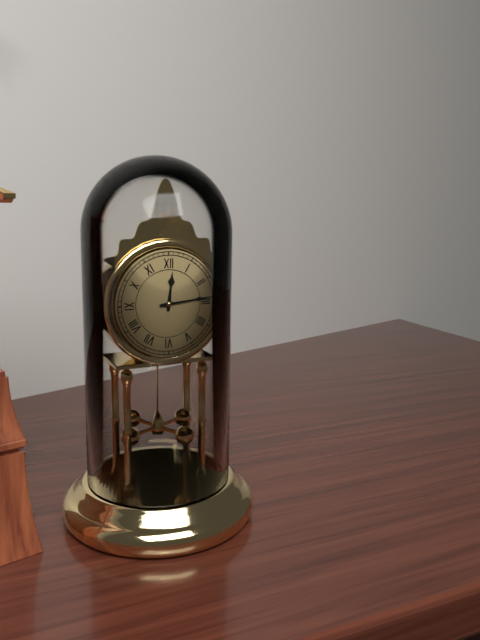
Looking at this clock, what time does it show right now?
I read 12:14
